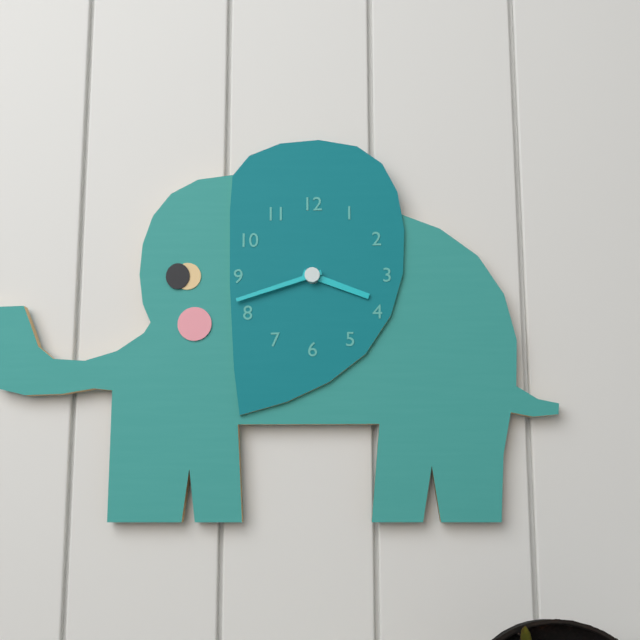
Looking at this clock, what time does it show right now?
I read 3:42
